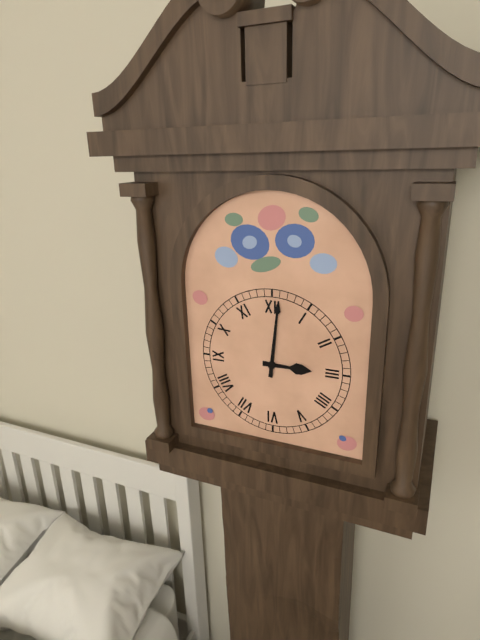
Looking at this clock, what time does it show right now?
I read 3:01
